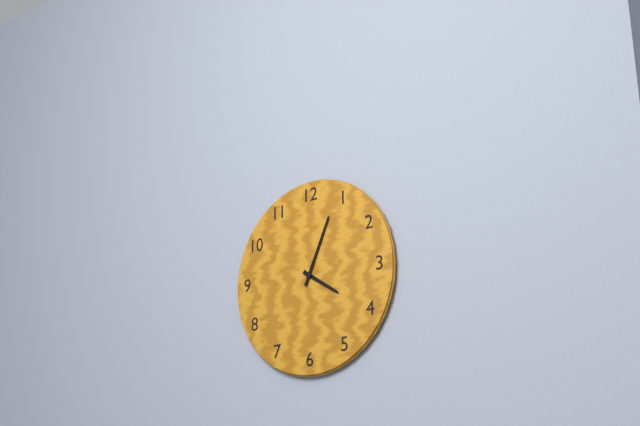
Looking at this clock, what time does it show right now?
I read 4:04
